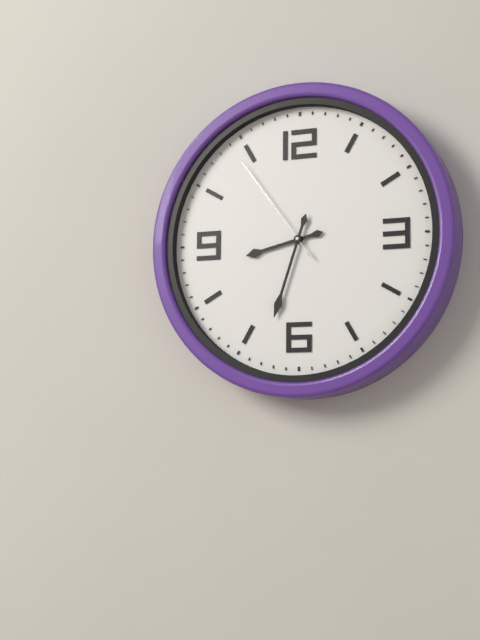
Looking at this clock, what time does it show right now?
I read 8:33:54
